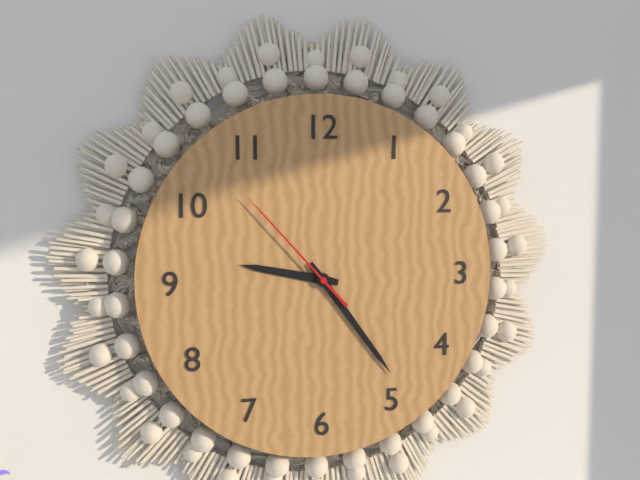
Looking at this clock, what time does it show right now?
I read 9:24:53
